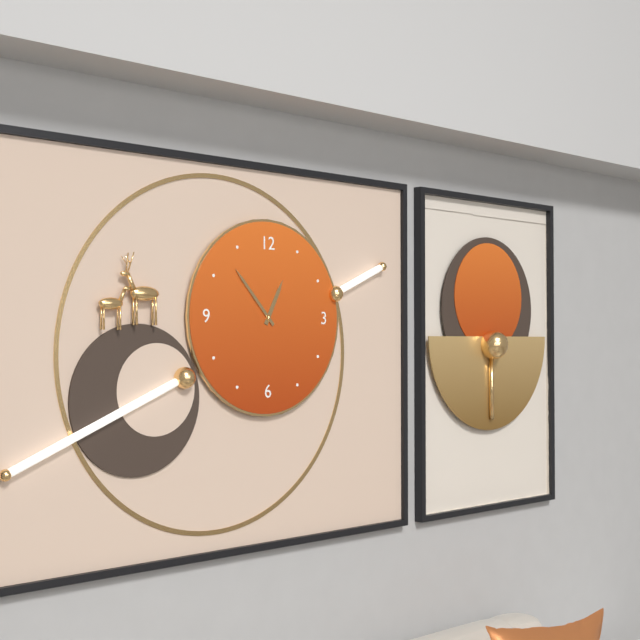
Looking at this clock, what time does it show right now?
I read 12:53
